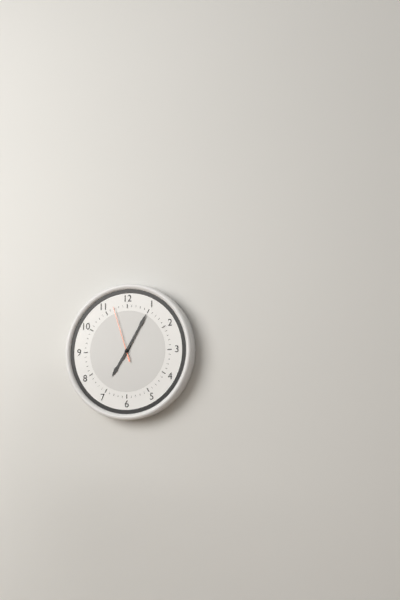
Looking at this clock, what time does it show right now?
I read 7:05:57
